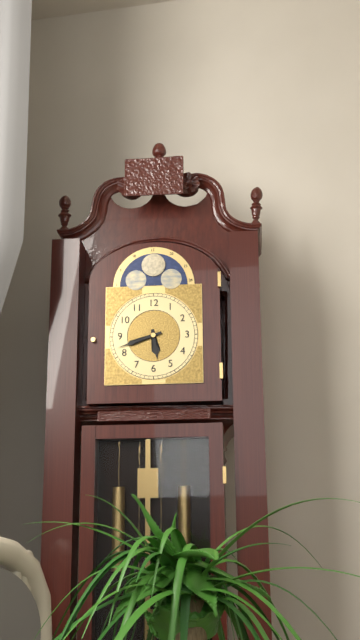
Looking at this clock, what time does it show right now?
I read 5:42
